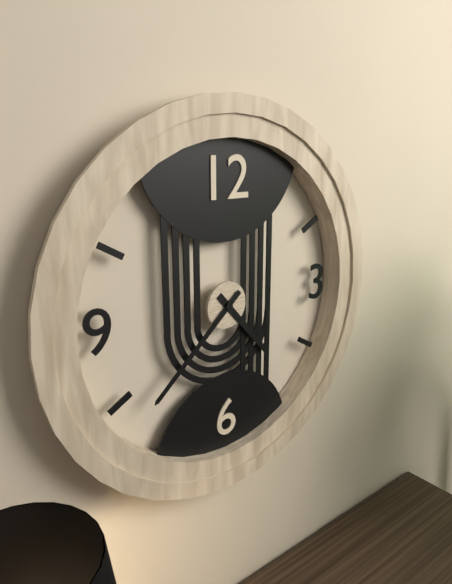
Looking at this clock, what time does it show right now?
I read 4:38
